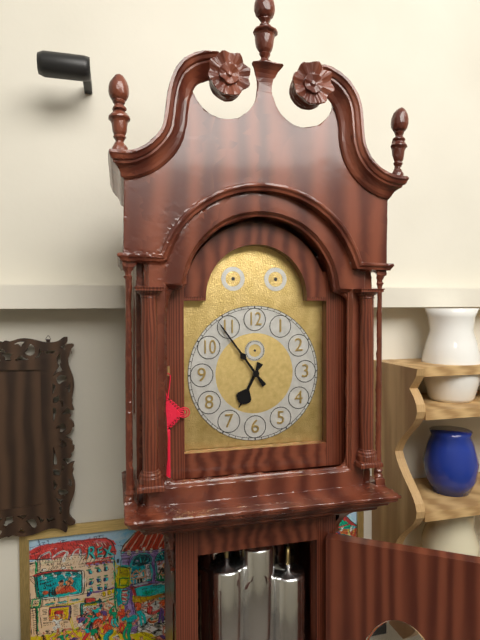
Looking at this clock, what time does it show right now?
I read 6:54
